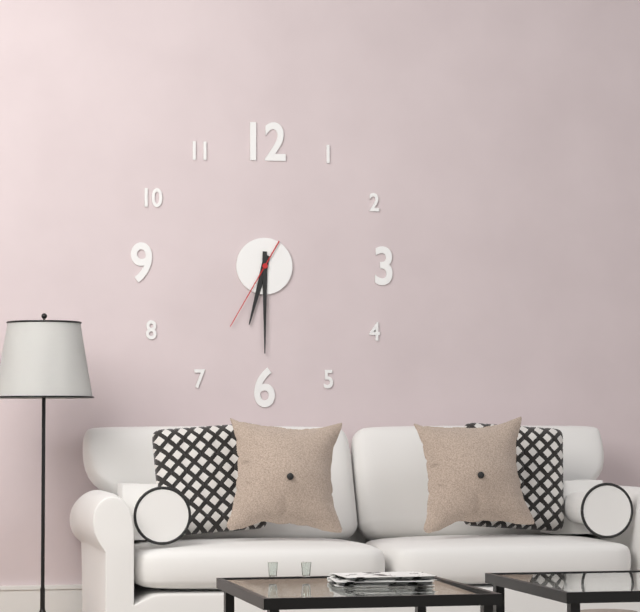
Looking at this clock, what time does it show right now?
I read 6:30:35
